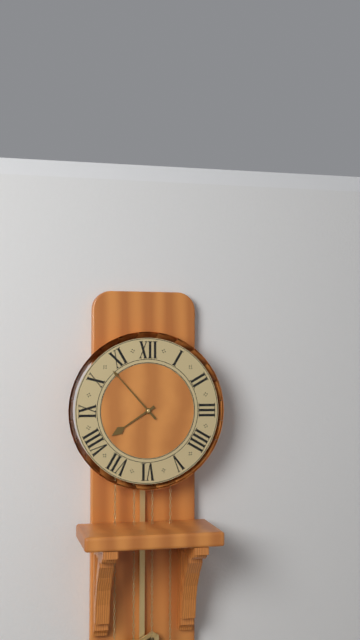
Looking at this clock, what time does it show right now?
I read 7:53
